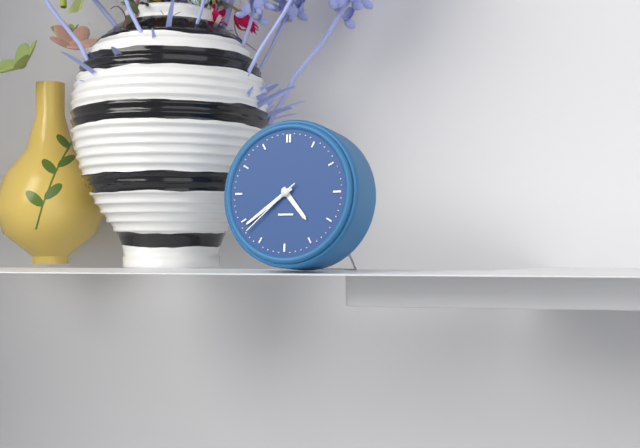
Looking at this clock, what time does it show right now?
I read 4:39:38
